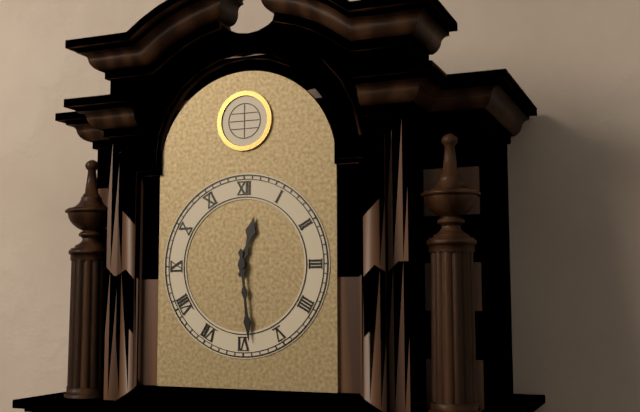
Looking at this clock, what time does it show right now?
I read 12:29
